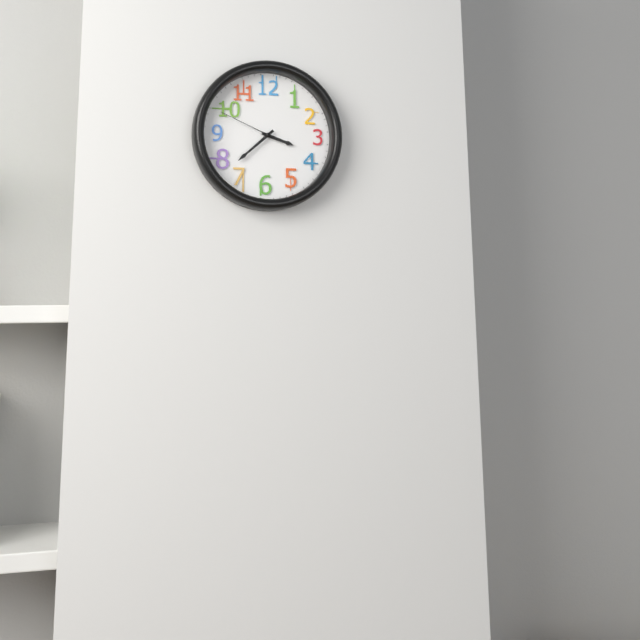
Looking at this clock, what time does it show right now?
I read 3:38:49
